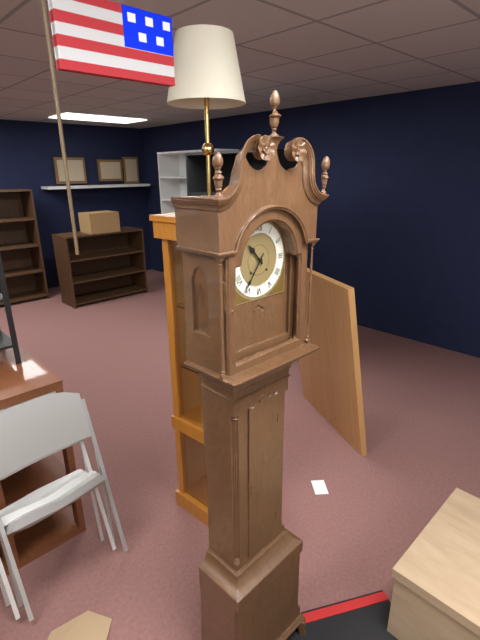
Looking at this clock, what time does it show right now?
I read 10:36
